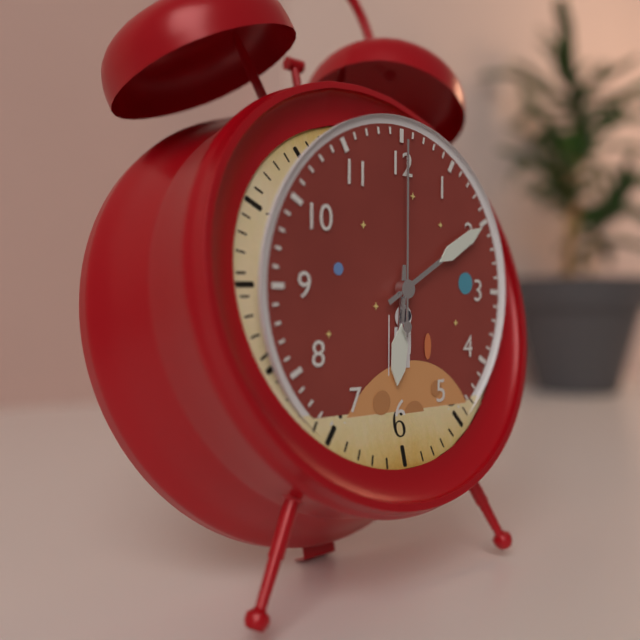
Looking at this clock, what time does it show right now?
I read 6:10:00
